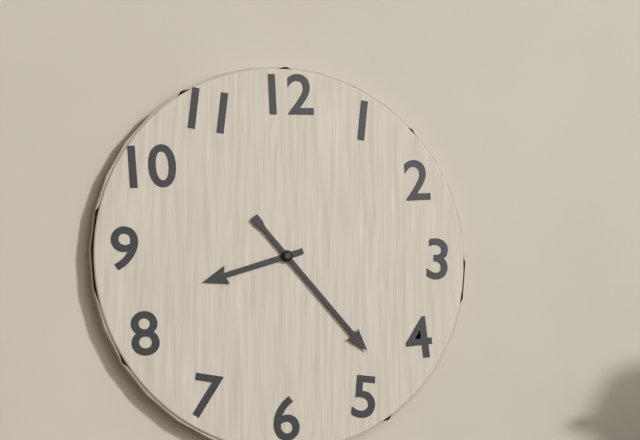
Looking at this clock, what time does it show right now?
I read 8:23
